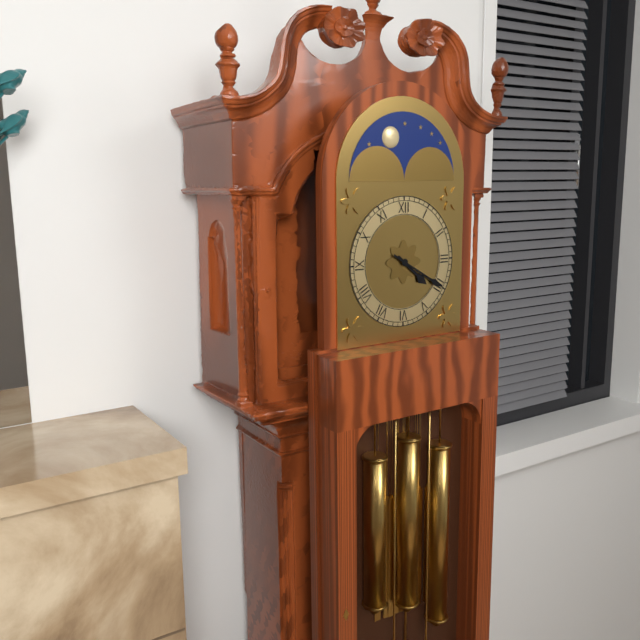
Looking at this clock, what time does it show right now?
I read 4:20
